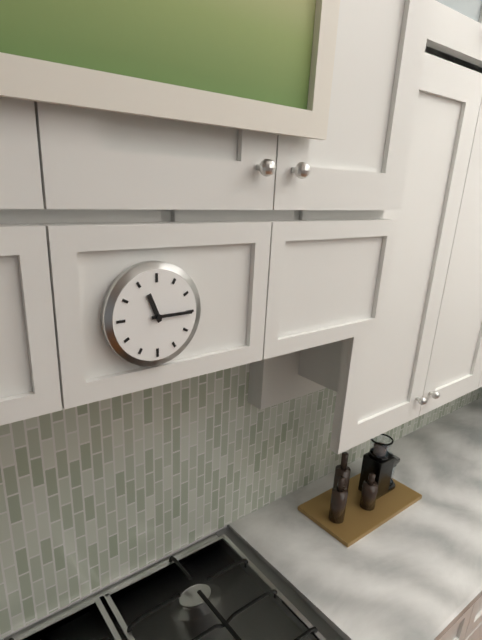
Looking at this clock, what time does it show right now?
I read 11:15
